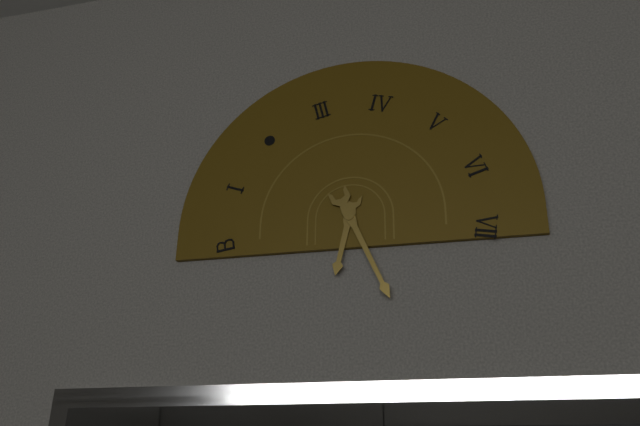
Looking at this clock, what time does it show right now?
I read 6:26
